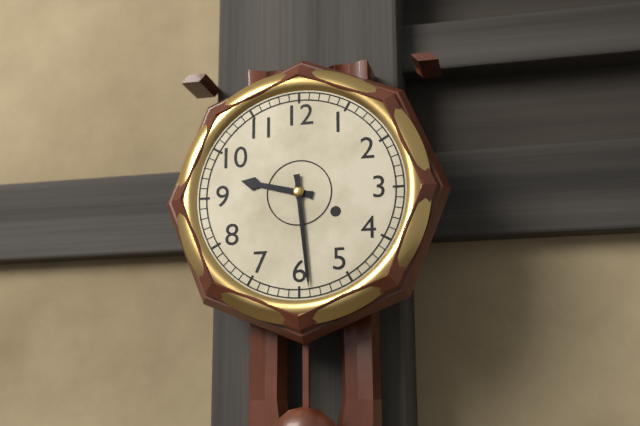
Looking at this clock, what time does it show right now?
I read 9:29
